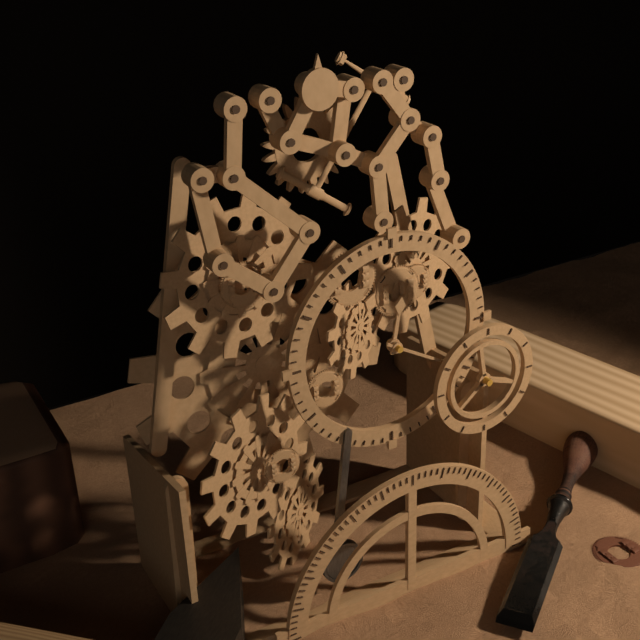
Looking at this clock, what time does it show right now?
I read 12:20
